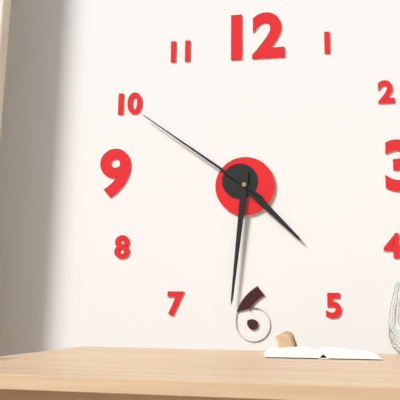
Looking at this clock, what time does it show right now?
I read 4:31:51
